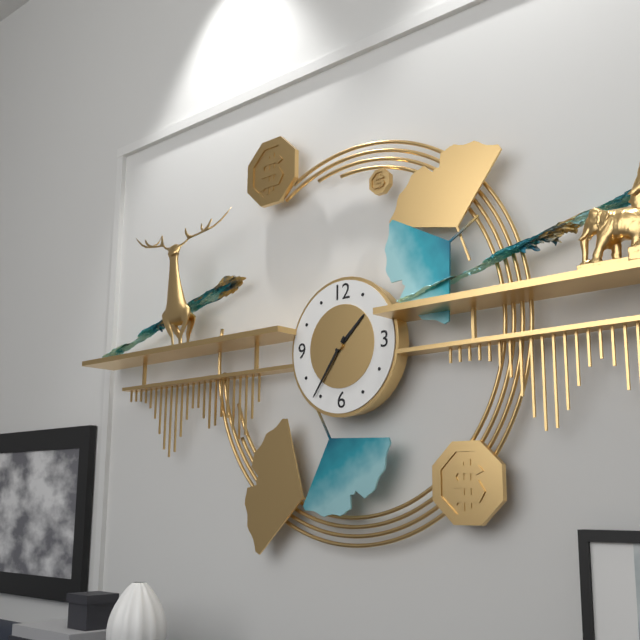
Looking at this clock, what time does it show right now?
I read 1:36
